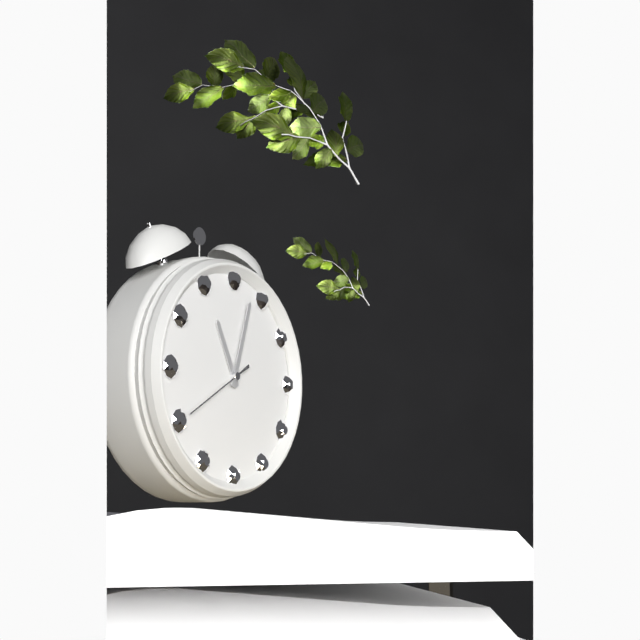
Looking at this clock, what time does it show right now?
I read 11:03:40
